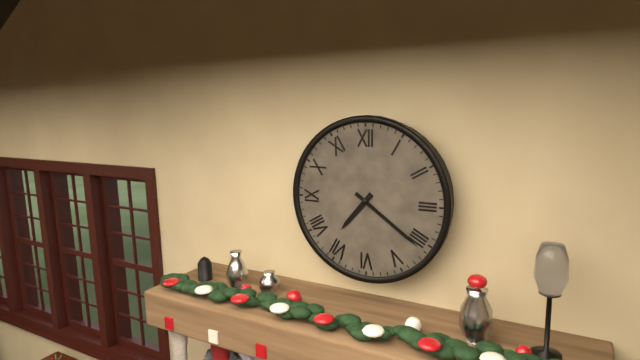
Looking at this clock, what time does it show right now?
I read 7:21
